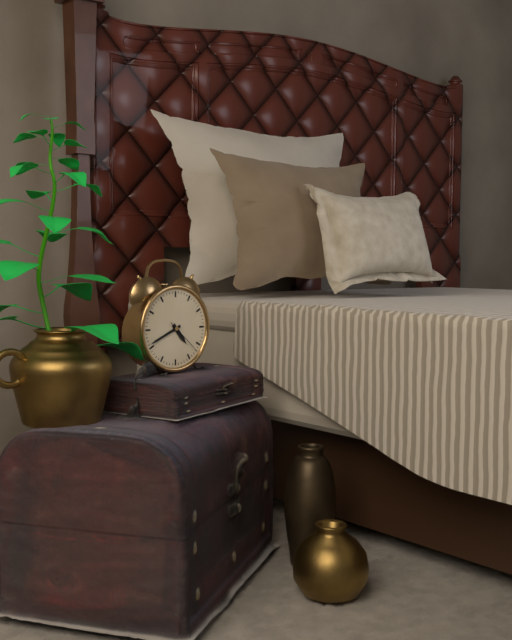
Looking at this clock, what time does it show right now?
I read 4:41
